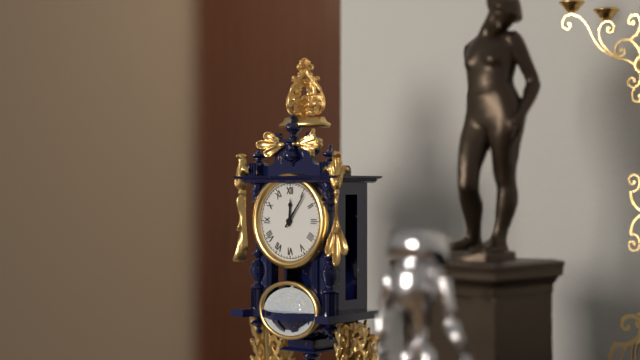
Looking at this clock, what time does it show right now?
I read 12:06
